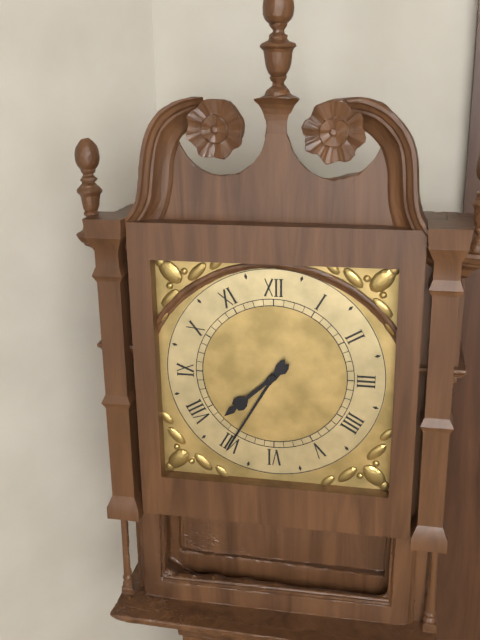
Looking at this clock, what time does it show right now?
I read 7:35
